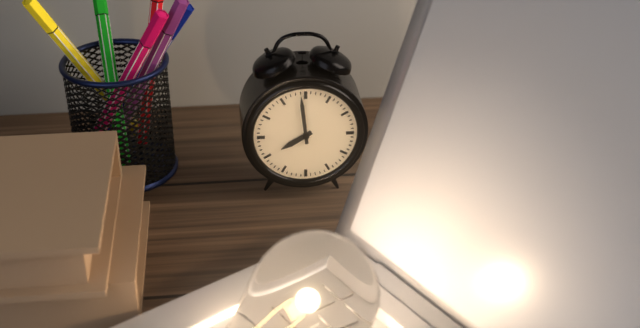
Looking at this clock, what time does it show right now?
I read 7:59
